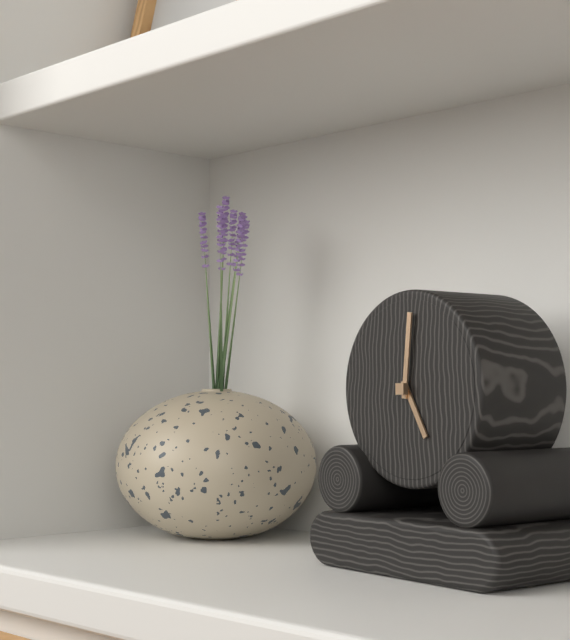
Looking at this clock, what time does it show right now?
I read 5:01
